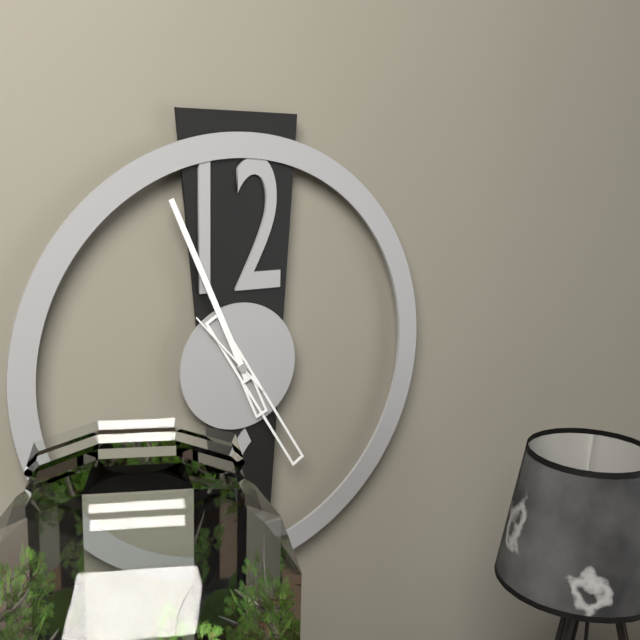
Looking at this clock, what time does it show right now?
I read 4:56:53
